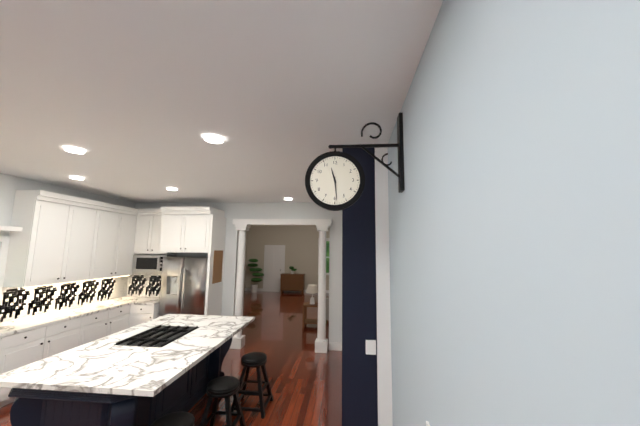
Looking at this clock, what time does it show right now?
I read 11:29
